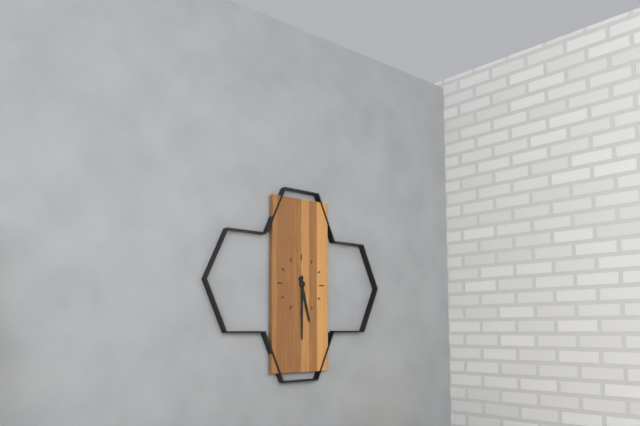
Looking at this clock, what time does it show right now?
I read 5:30
